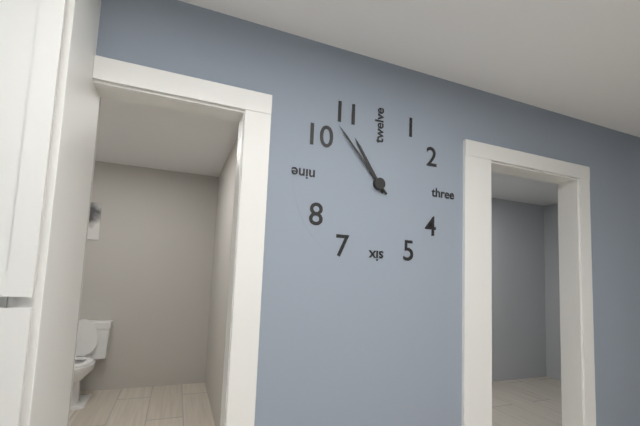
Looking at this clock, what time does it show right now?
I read 10:53
